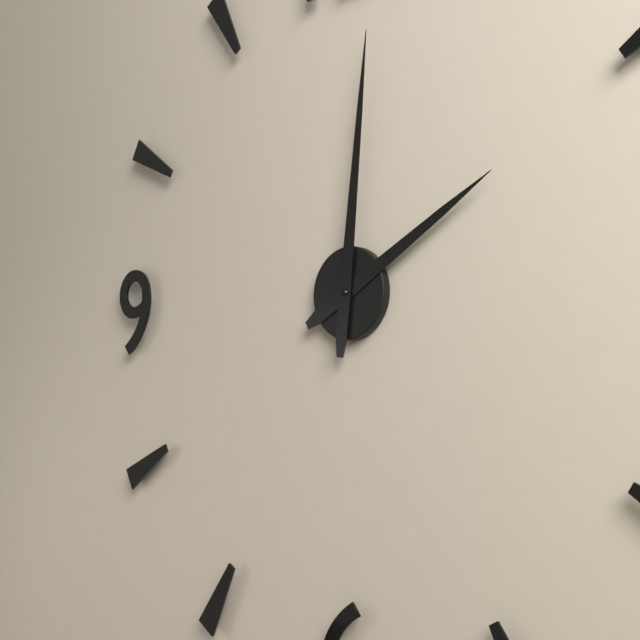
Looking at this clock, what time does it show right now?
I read 2:01
